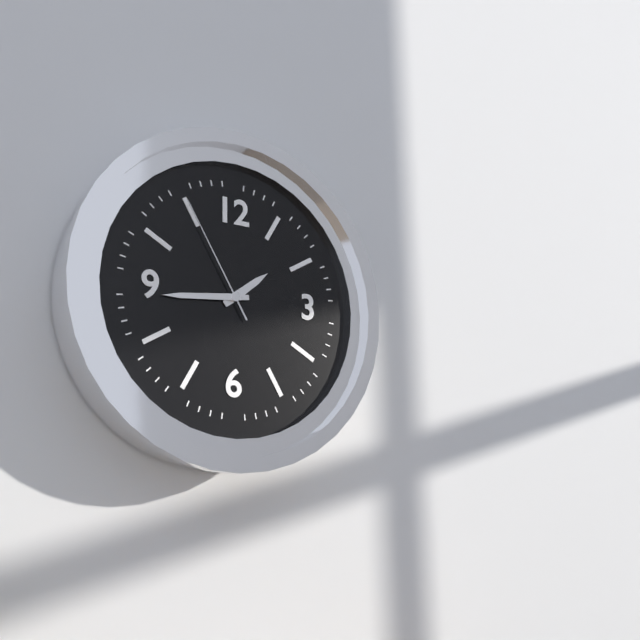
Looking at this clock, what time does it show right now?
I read 1:44:55
